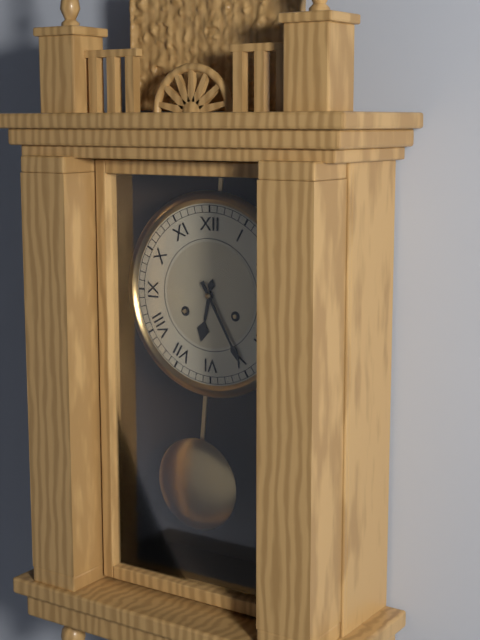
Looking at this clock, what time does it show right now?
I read 6:25
